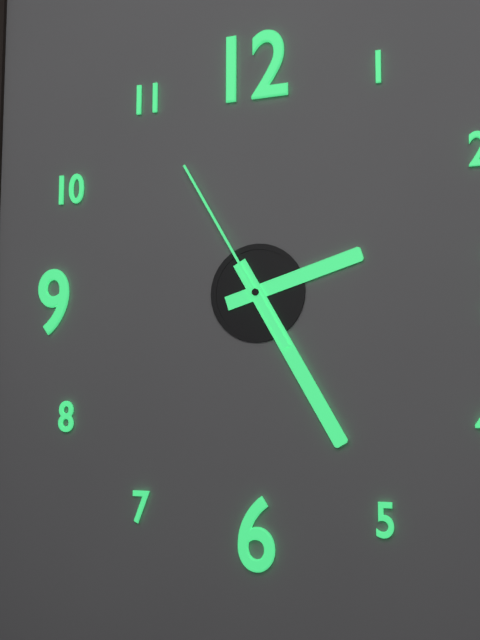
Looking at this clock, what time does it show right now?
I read 2:25:55
